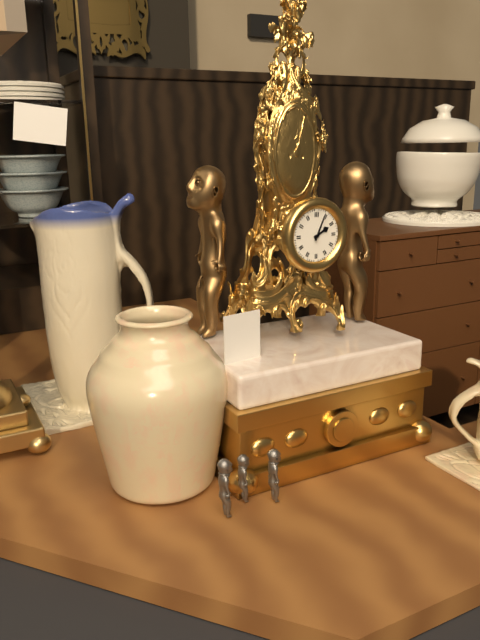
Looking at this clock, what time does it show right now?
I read 2:04
